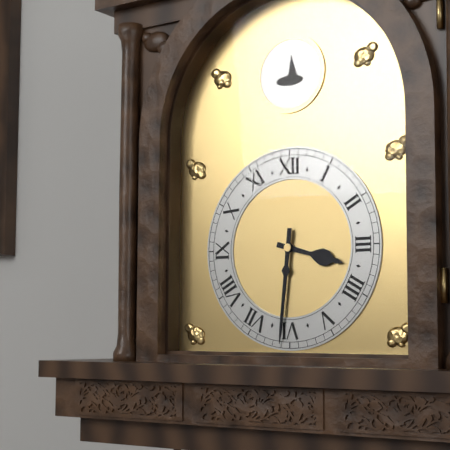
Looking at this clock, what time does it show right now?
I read 3:31
